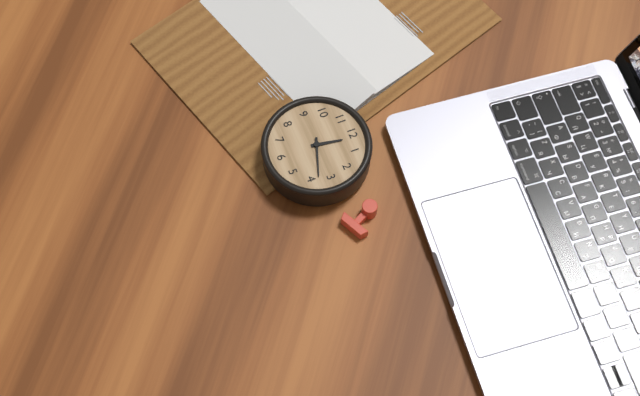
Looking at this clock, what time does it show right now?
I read 12:18
